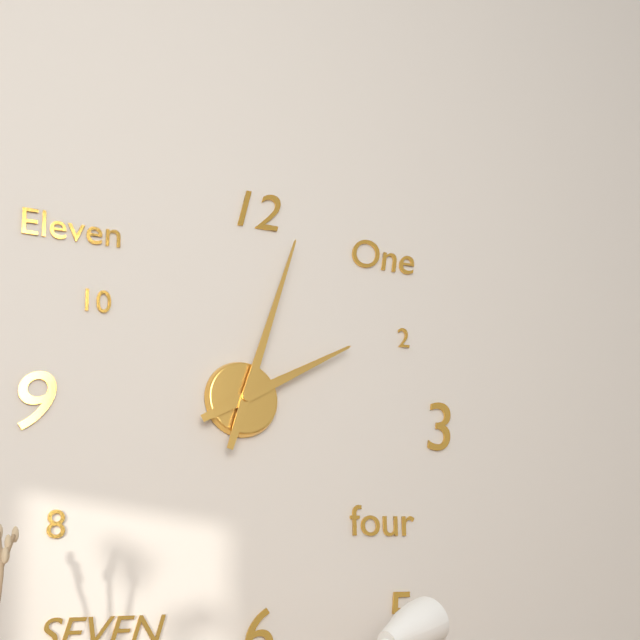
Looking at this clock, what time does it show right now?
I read 2:03
